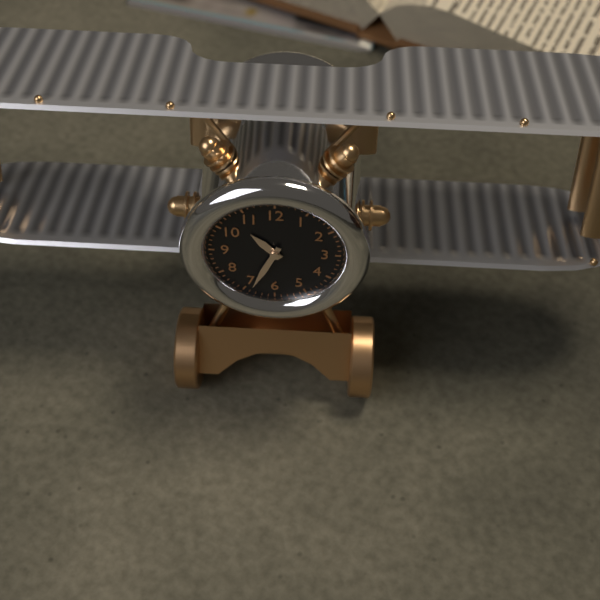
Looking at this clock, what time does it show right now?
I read 10:34
